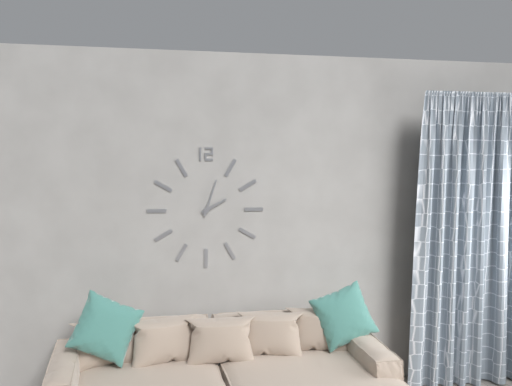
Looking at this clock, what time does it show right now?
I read 2:03
